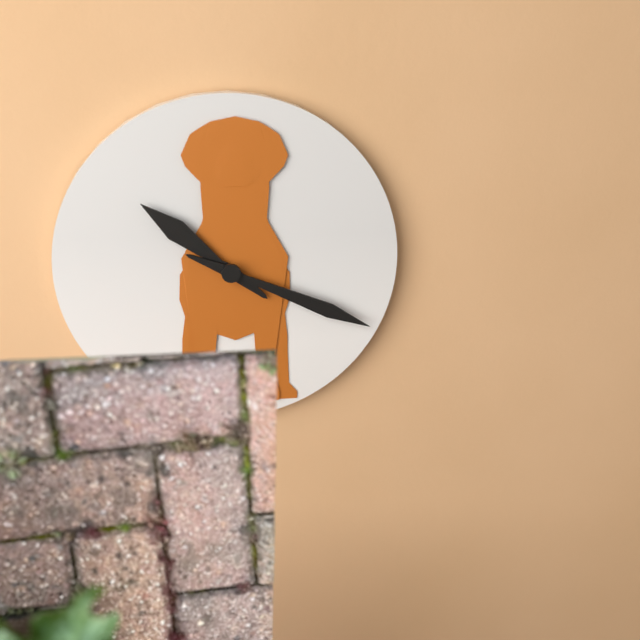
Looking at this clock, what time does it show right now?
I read 10:19
